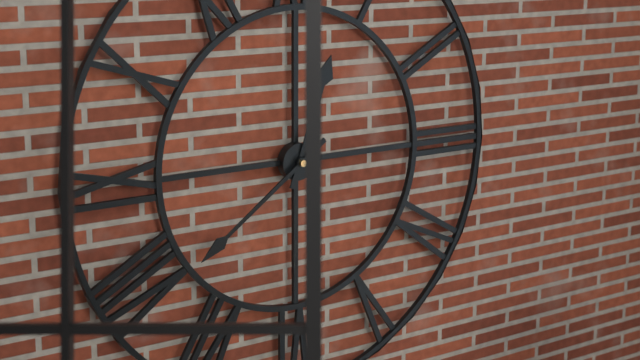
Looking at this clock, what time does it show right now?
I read 12:39
